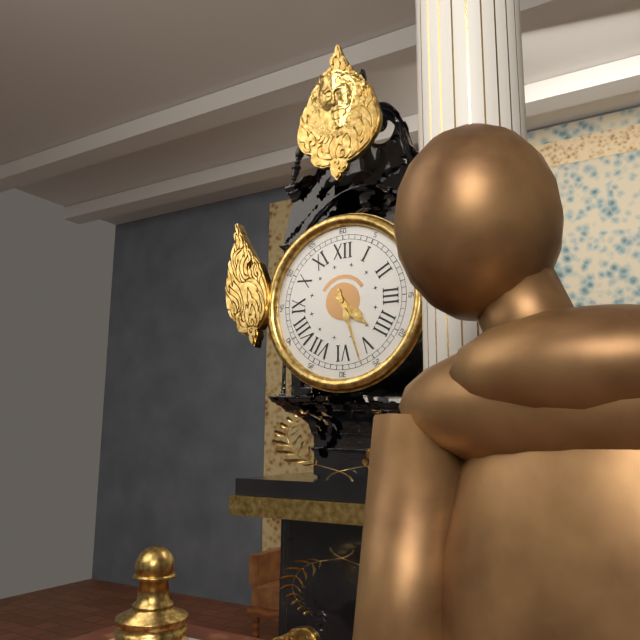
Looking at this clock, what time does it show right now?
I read 4:27
